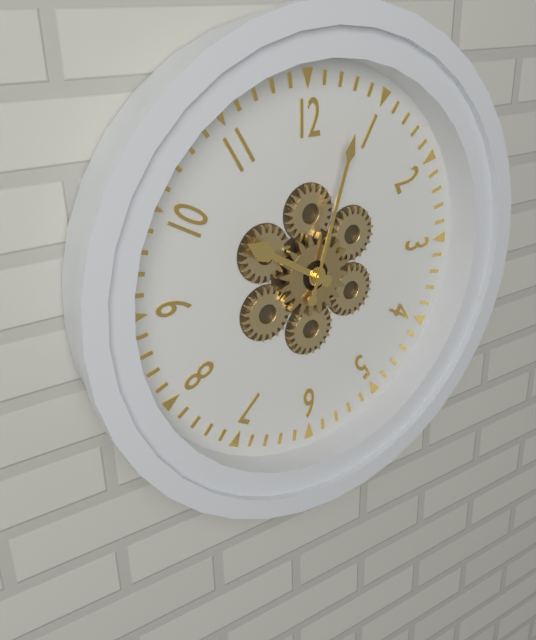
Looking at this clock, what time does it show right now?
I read 10:03
